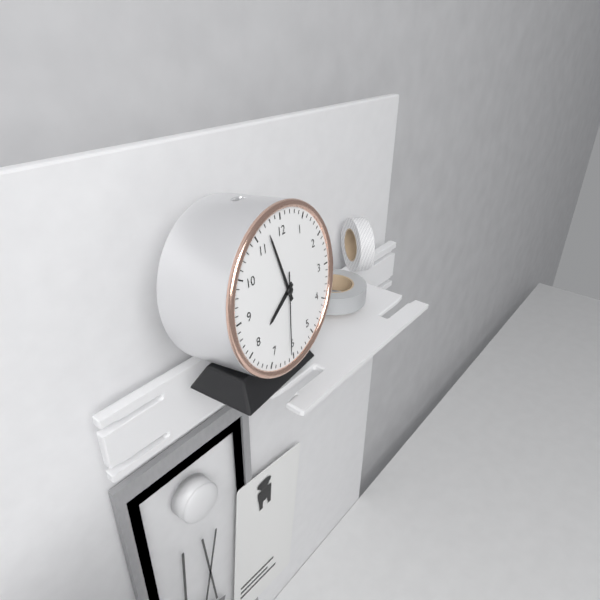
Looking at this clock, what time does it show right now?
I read 7:57:31
